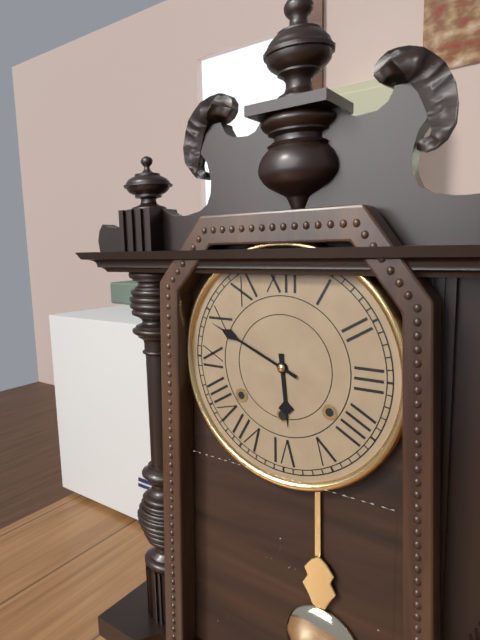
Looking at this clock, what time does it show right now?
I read 5:49
